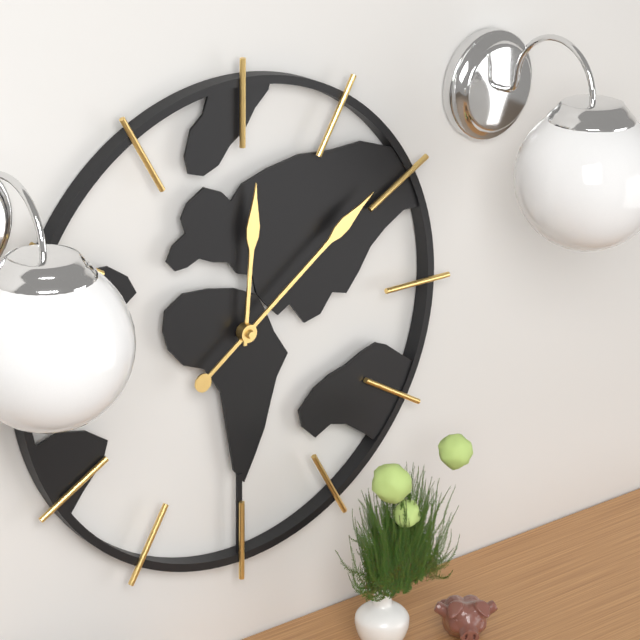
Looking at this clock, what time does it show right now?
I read 12:09
